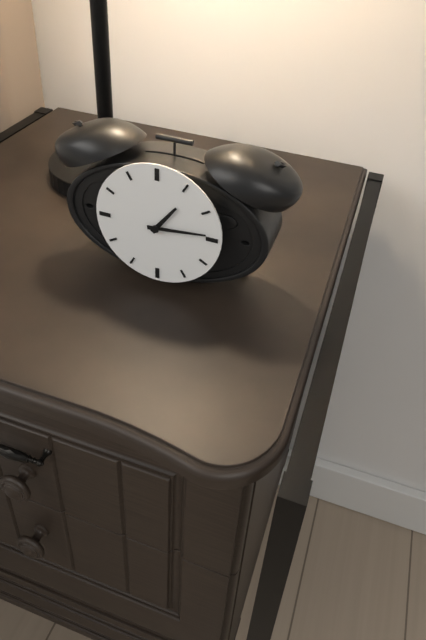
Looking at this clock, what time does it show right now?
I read 1:14
